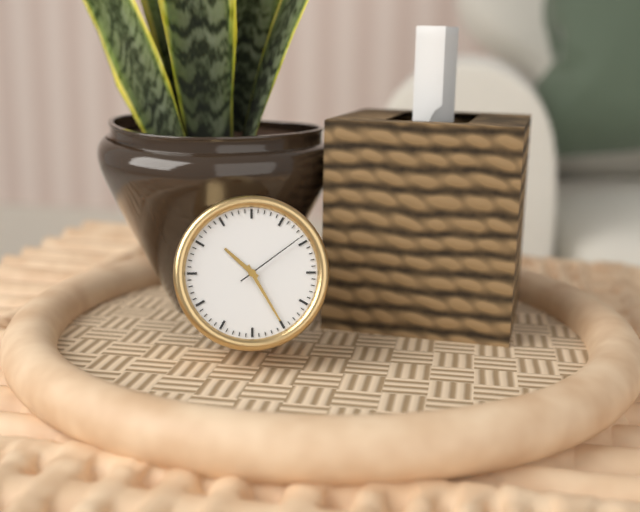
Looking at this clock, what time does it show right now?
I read 10:25:09
